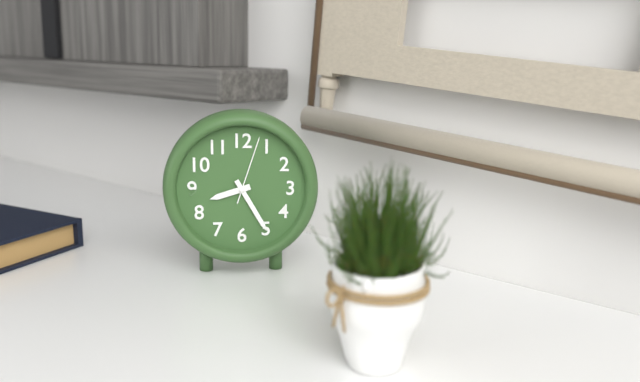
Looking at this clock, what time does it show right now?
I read 8:25:03
